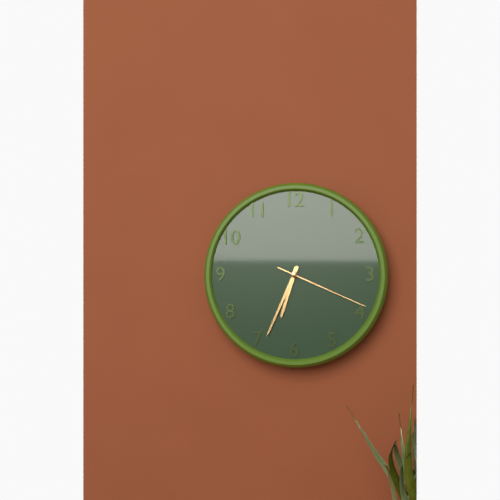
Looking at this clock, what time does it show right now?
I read 6:34:19
